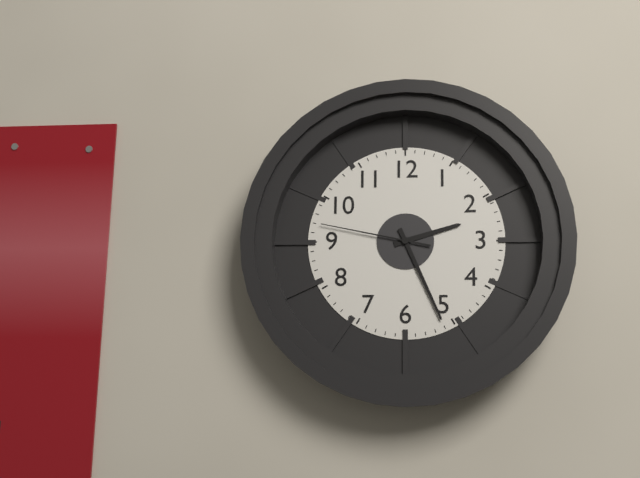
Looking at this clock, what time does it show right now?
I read 2:26:47
